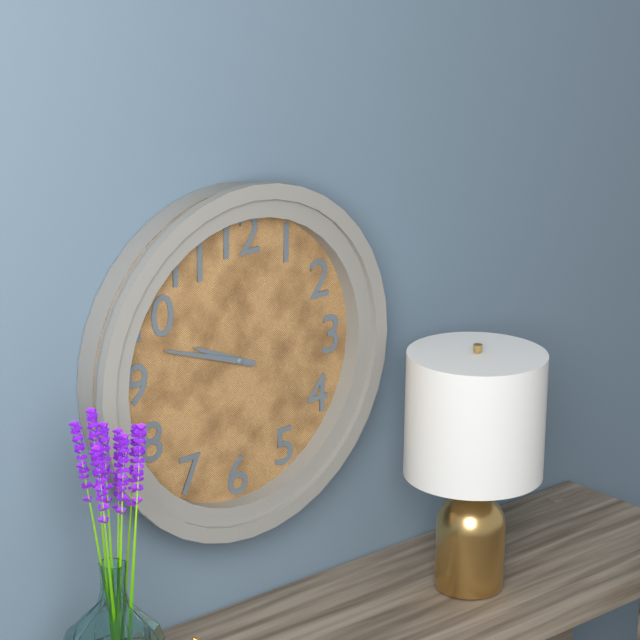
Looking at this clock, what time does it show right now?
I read 9:48
